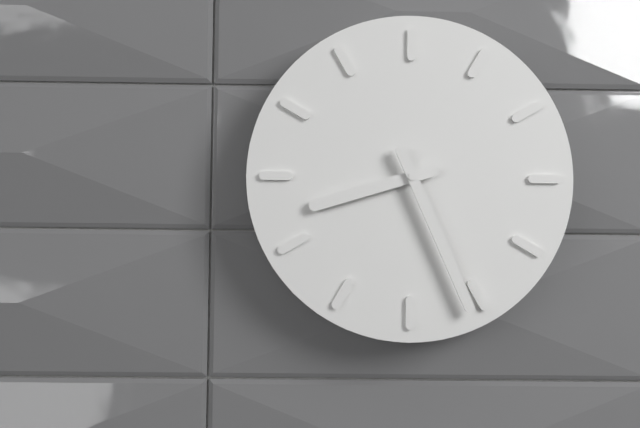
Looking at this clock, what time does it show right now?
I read 8:26
